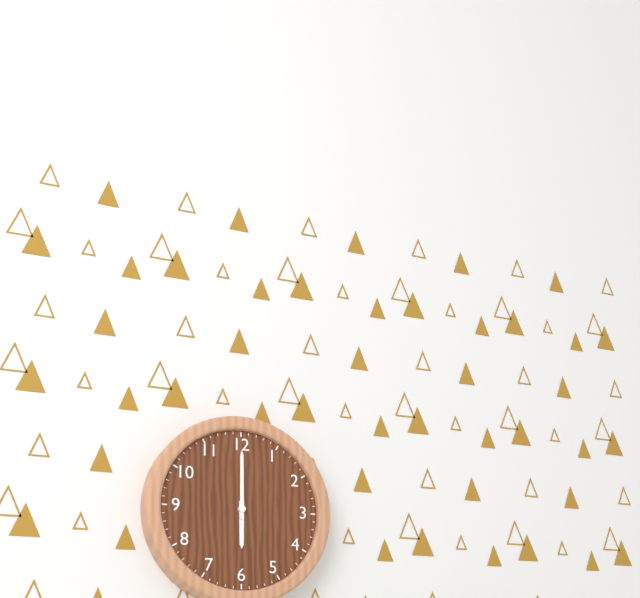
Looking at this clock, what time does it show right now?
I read 6:00
